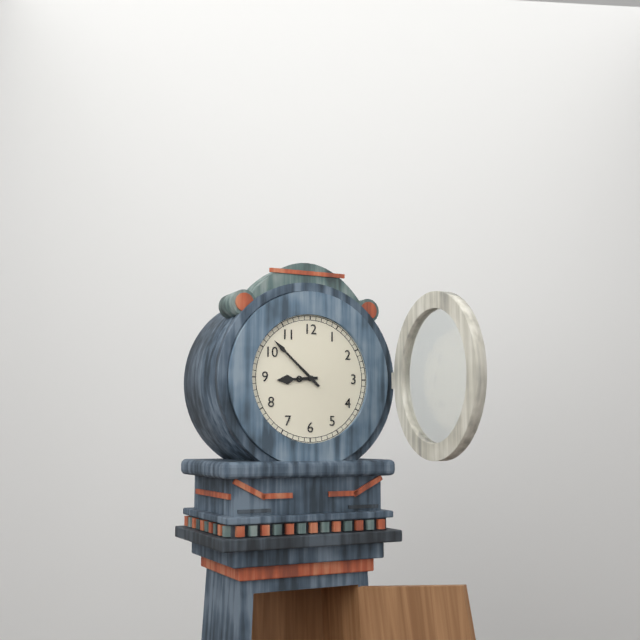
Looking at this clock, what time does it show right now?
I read 8:52
